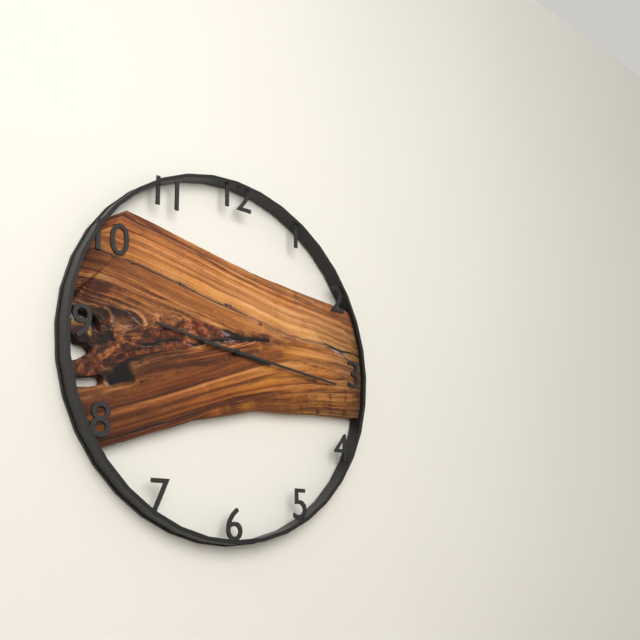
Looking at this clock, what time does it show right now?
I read 9:16
